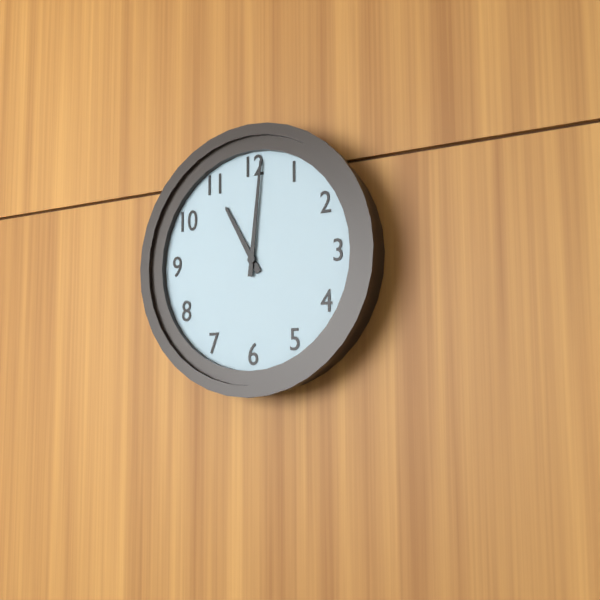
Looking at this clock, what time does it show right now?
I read 11:01
